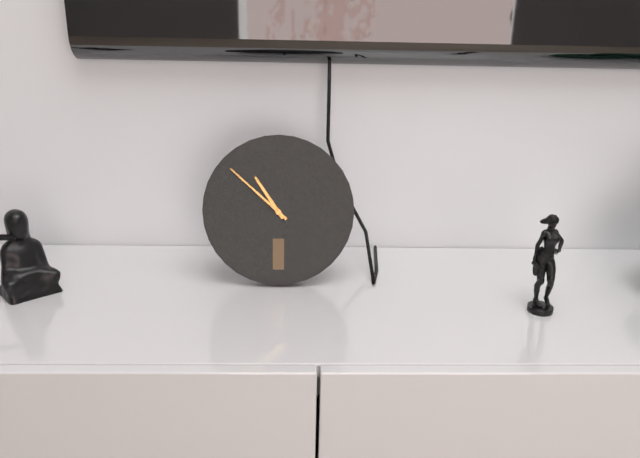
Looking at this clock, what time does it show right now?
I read 10:52
